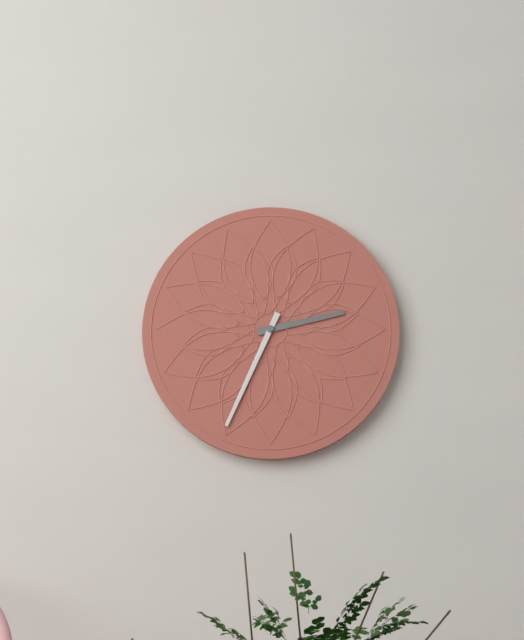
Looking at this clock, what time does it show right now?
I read 2:34
